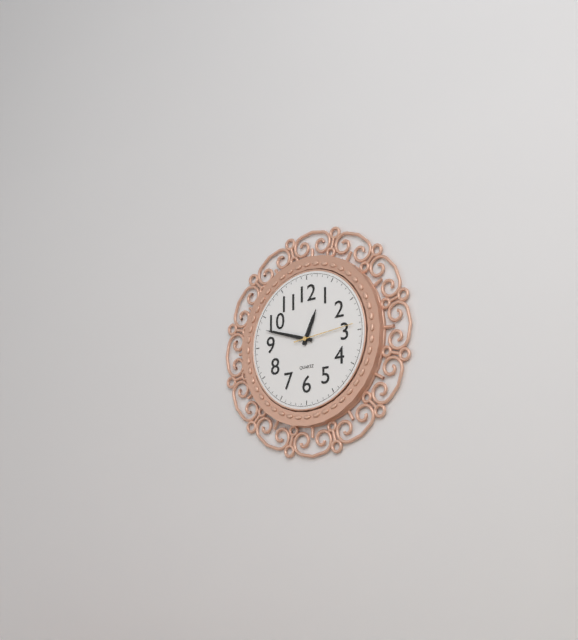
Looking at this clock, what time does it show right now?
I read 12:48:14
